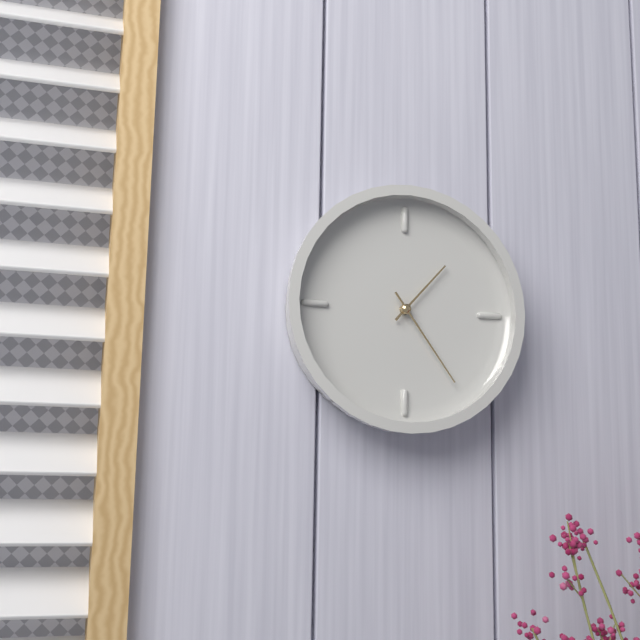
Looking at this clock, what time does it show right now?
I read 1:24
